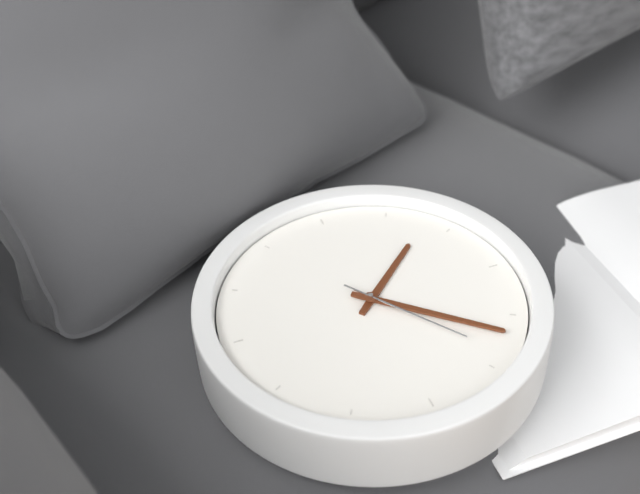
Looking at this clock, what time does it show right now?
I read 4:37:39
